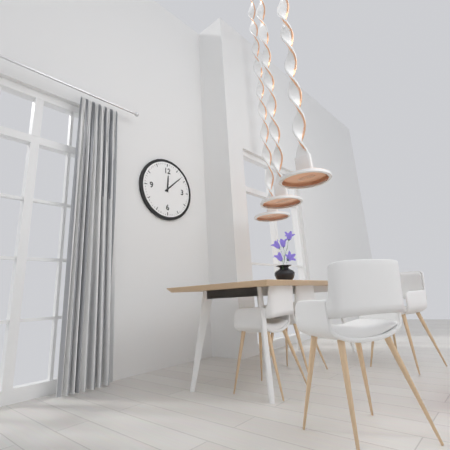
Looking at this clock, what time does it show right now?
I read 12:08
